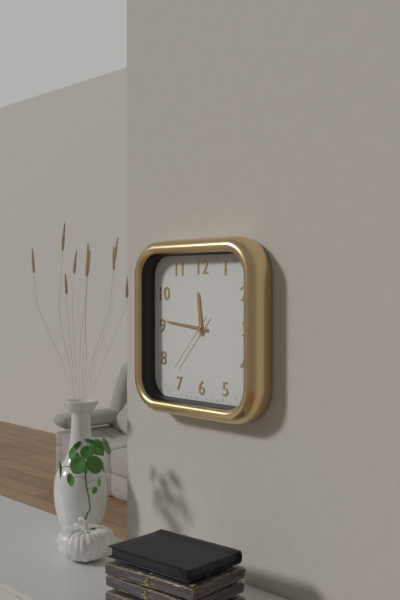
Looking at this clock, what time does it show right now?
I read 11:46:37
